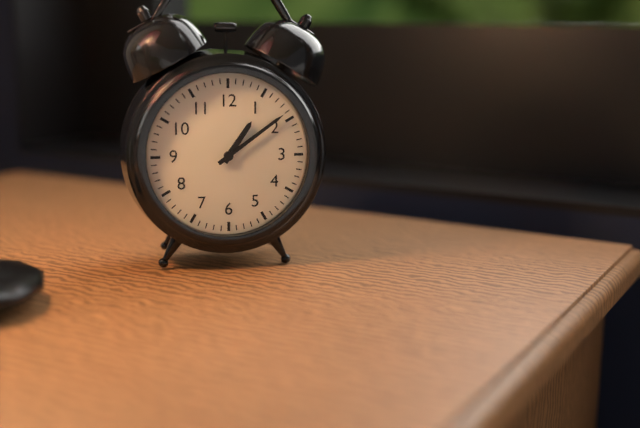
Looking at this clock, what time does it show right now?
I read 1:09
